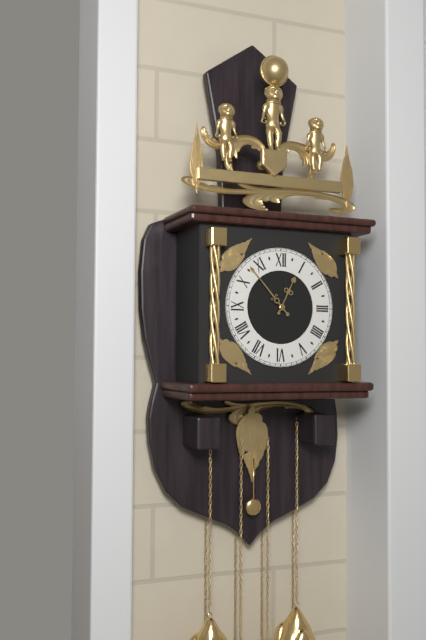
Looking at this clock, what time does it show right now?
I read 12:53
